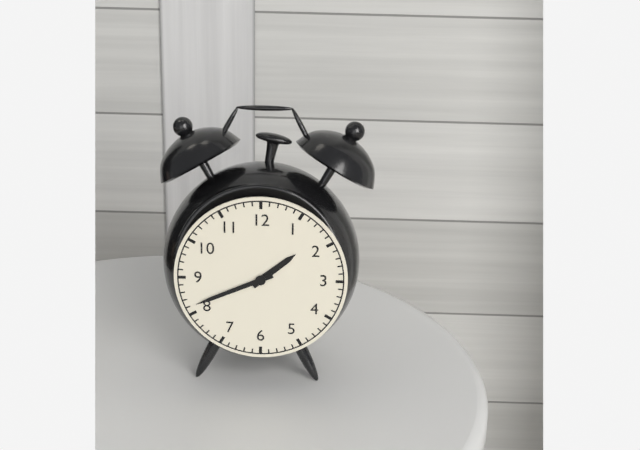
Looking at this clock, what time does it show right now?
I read 1:41
